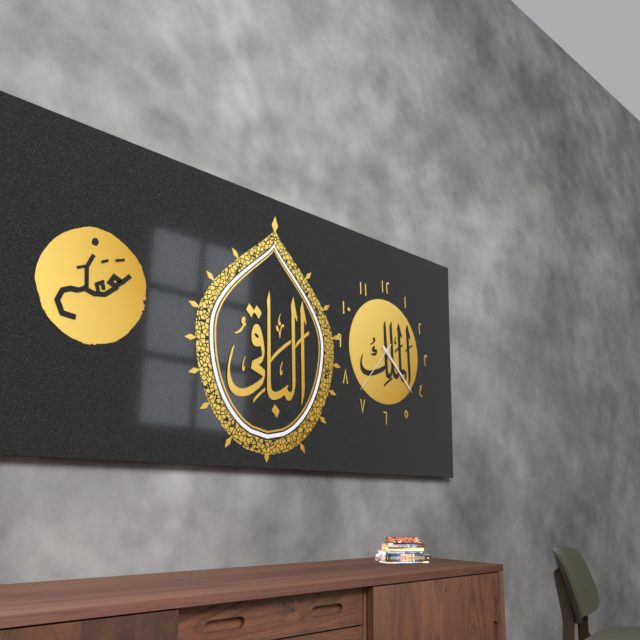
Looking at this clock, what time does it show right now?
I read 4:22:37
